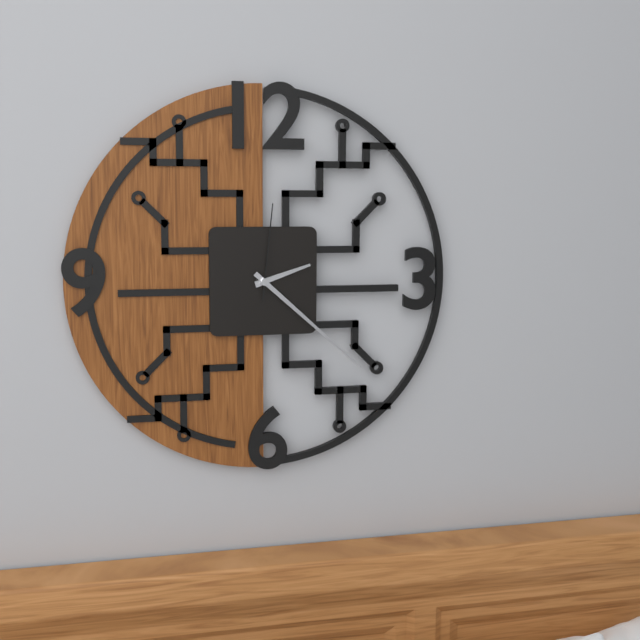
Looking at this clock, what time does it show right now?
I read 2:22:01
